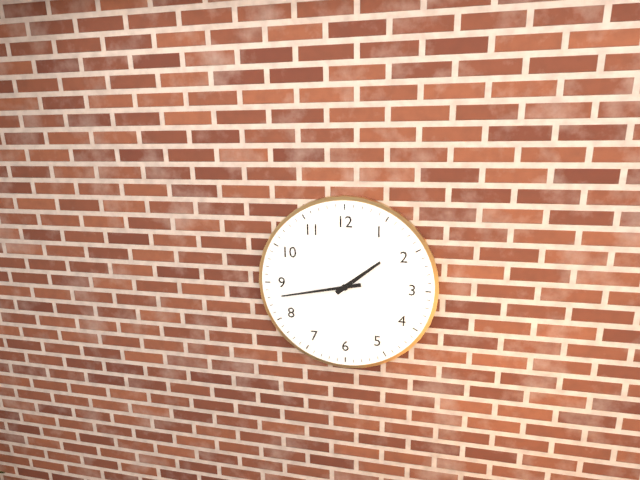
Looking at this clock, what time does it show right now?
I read 1:43
